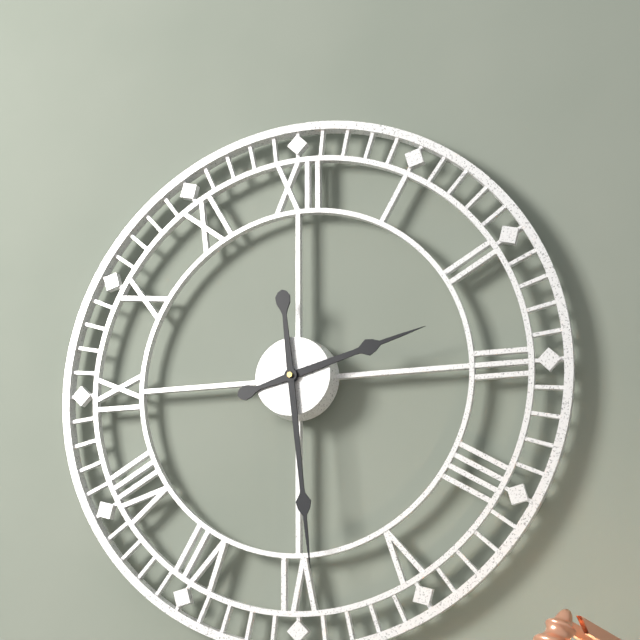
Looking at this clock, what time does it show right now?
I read 2:29
